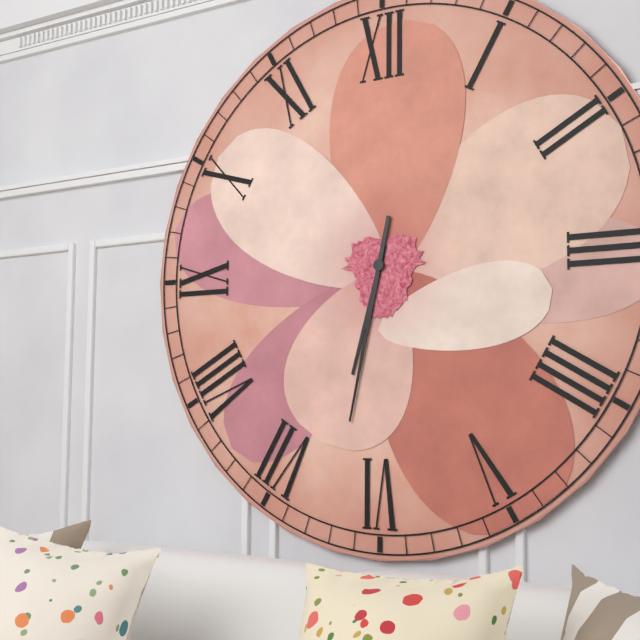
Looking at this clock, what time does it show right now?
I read 6:32
